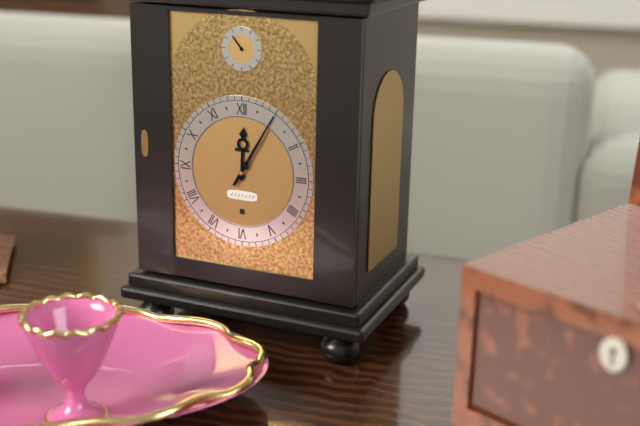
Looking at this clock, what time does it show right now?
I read 12:05
